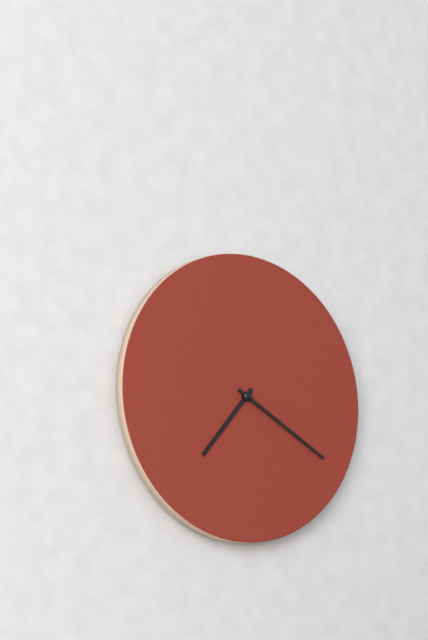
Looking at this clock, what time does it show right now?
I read 7:20
